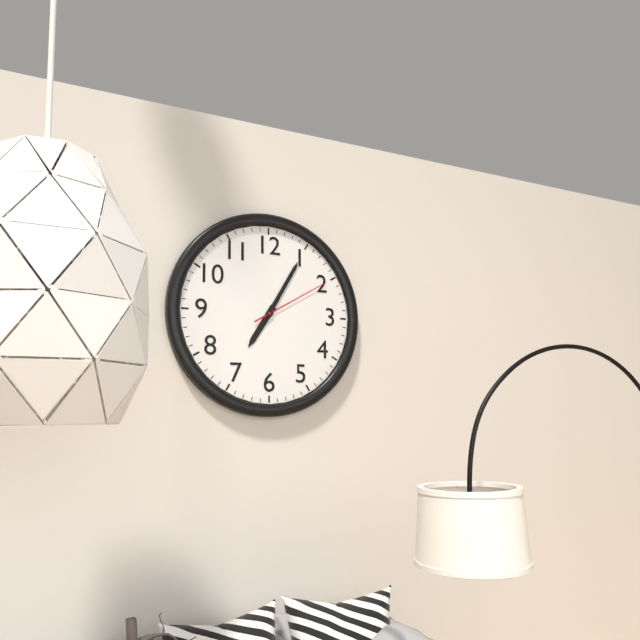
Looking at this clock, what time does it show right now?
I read 7:05:10
